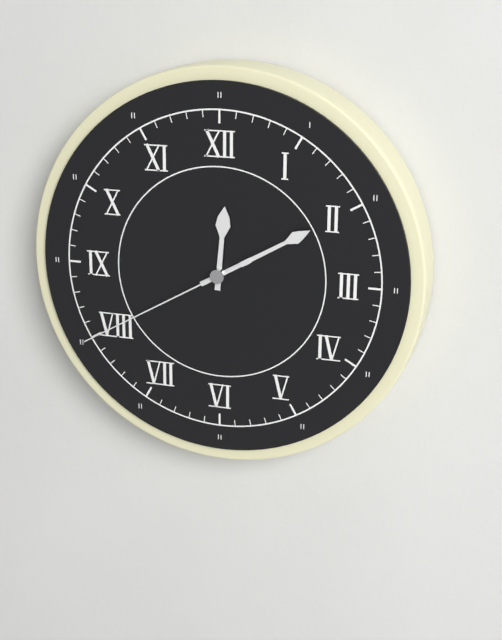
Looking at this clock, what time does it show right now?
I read 12:10:40
